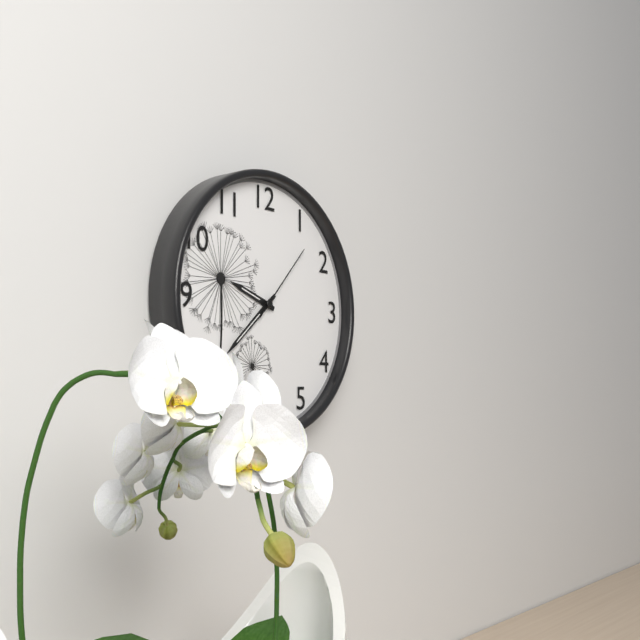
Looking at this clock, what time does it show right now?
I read 9:38:07
